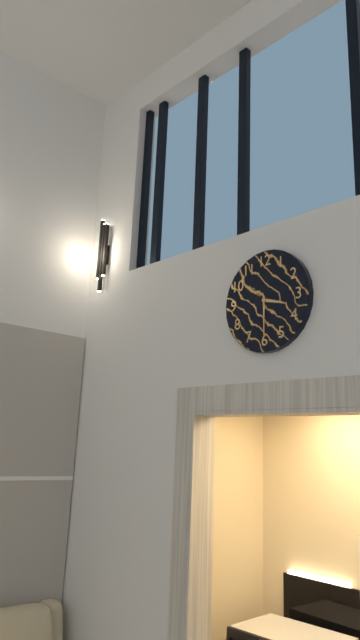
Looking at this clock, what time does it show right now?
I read 3:30
